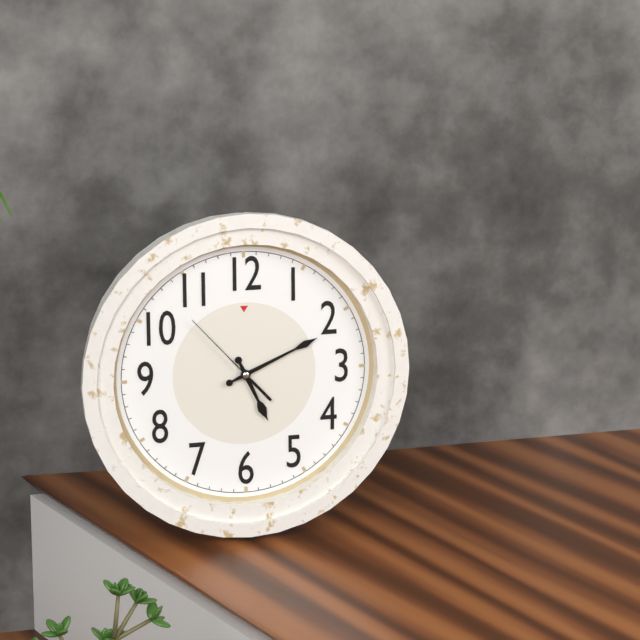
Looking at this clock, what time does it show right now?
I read 5:11:53
